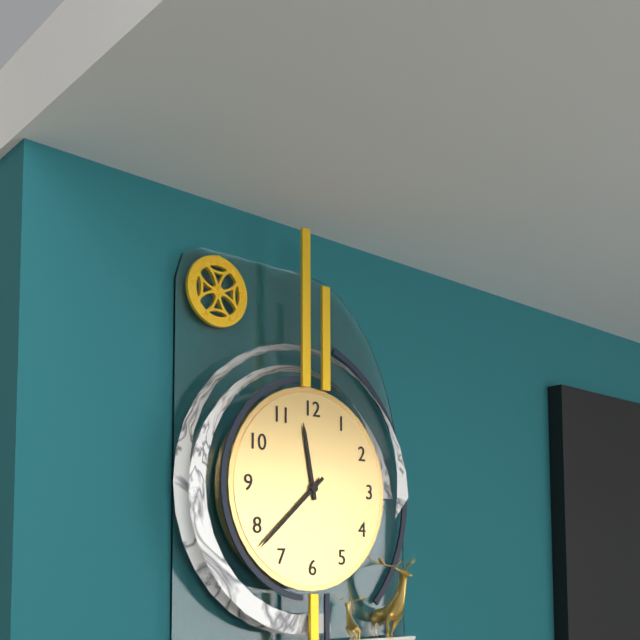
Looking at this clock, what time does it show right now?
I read 11:38
